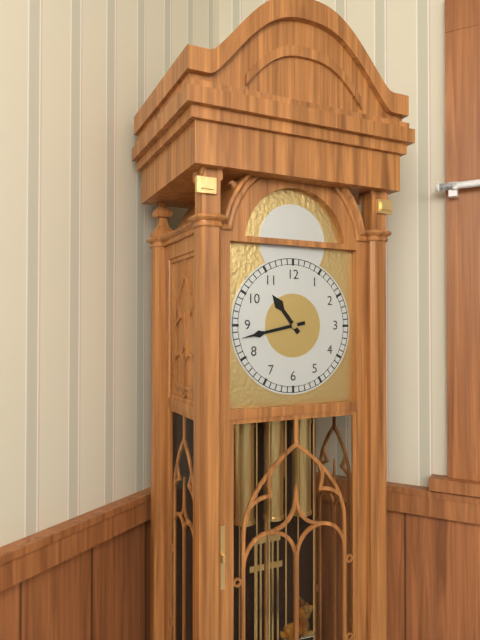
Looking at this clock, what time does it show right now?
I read 10:43
